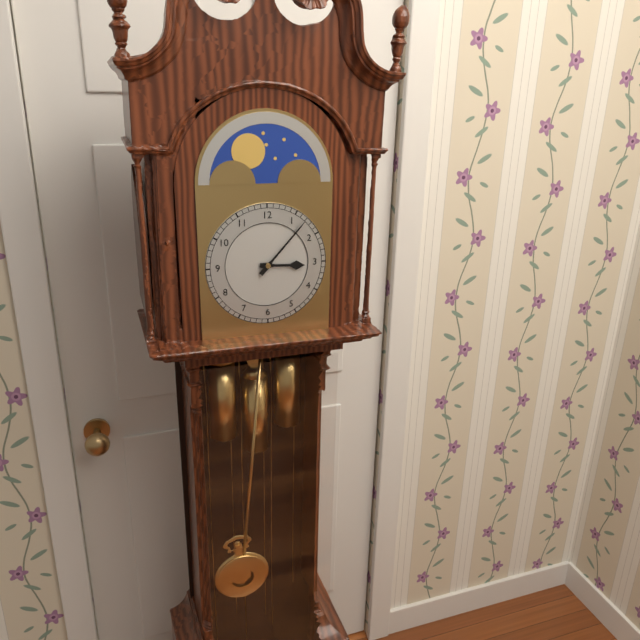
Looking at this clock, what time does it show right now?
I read 3:07
